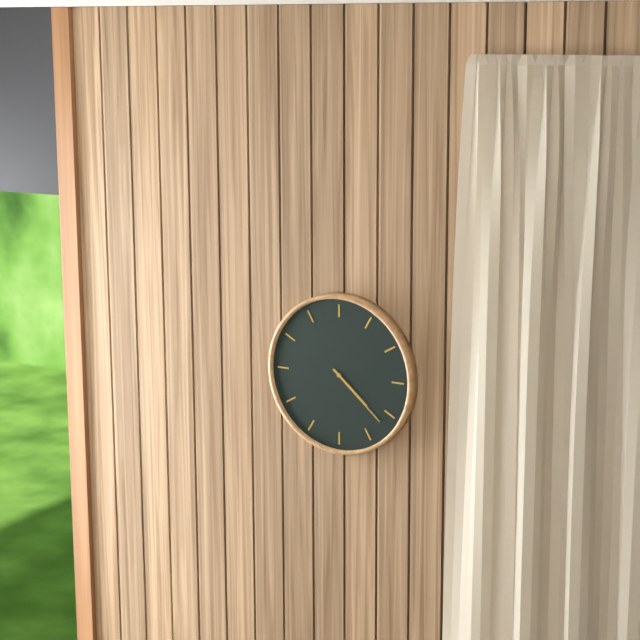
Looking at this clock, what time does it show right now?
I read 4:22
